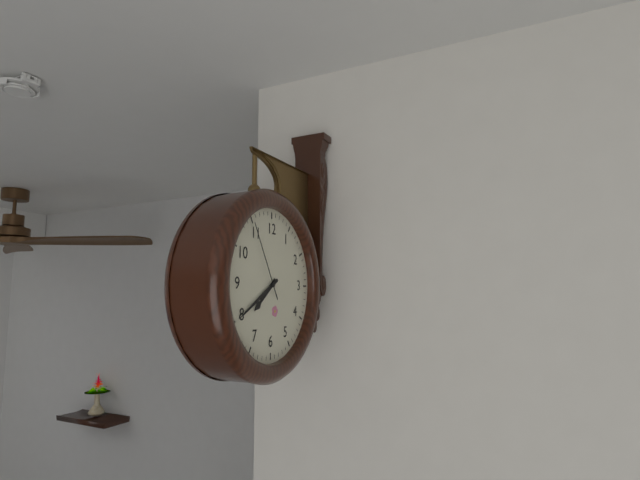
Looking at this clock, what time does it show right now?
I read 7:40:55
